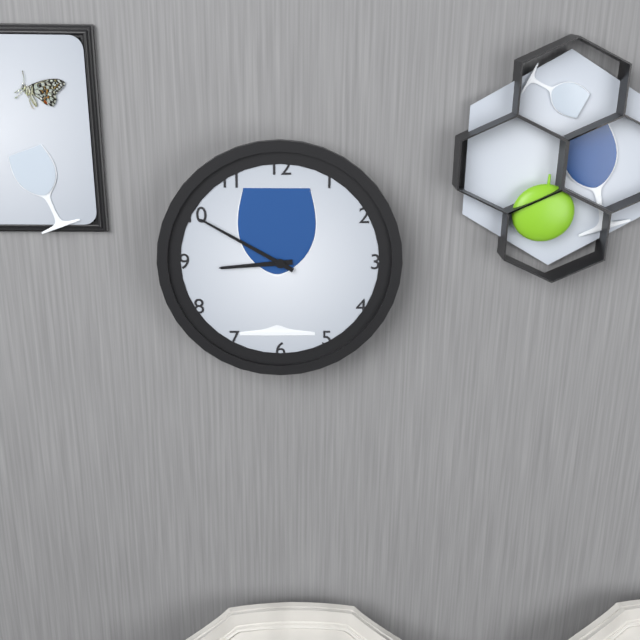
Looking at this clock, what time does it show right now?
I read 8:50
